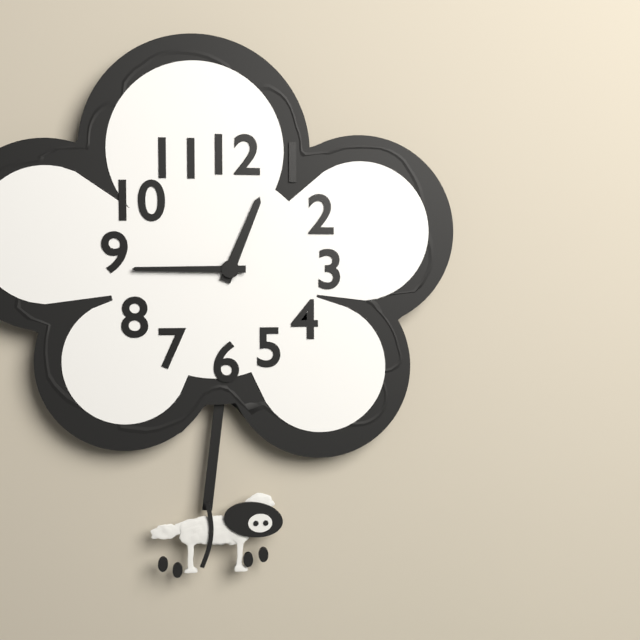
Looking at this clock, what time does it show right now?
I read 12:45
